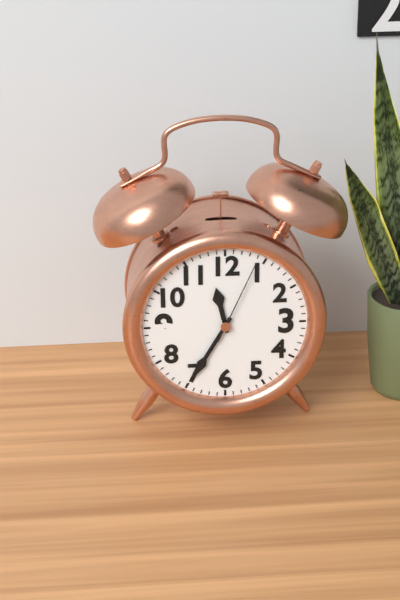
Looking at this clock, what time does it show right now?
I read 11:35:04
